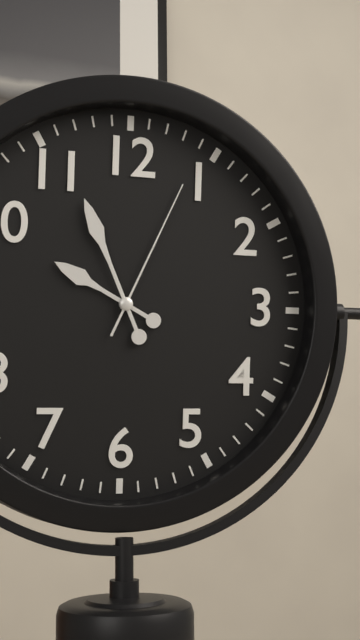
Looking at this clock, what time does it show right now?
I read 9:56:04
